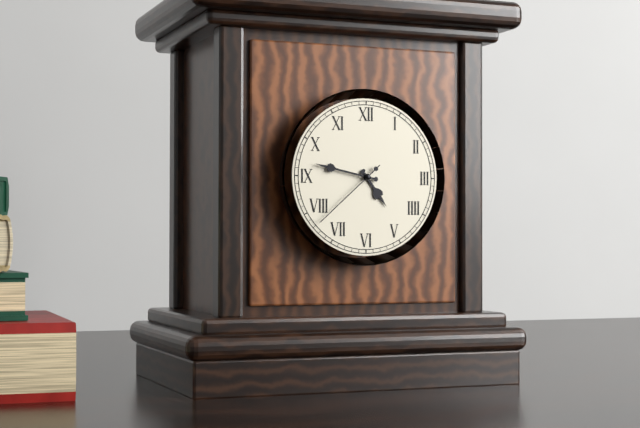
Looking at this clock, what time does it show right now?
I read 4:47:38
